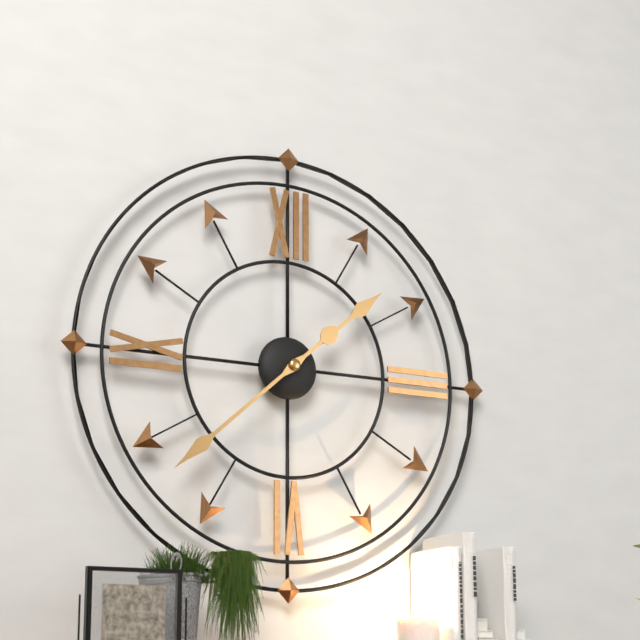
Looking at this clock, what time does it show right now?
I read 1:38
